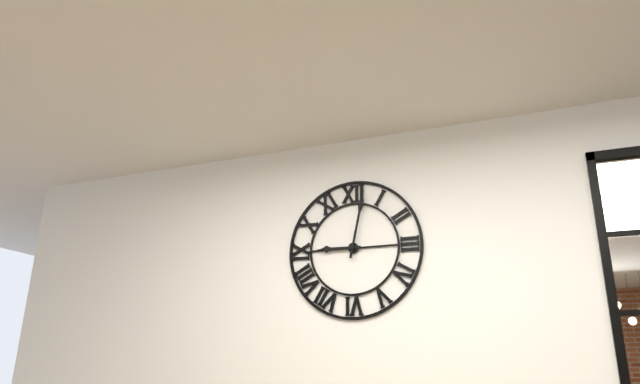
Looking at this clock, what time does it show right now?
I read 9:02
